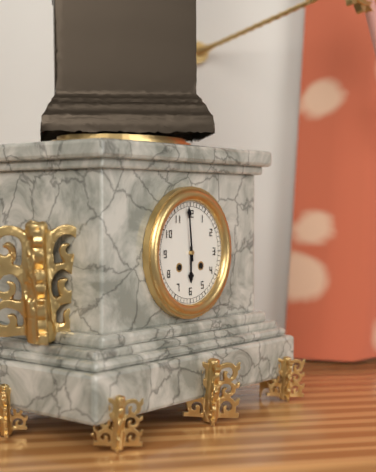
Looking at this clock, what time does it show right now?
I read 5:59
